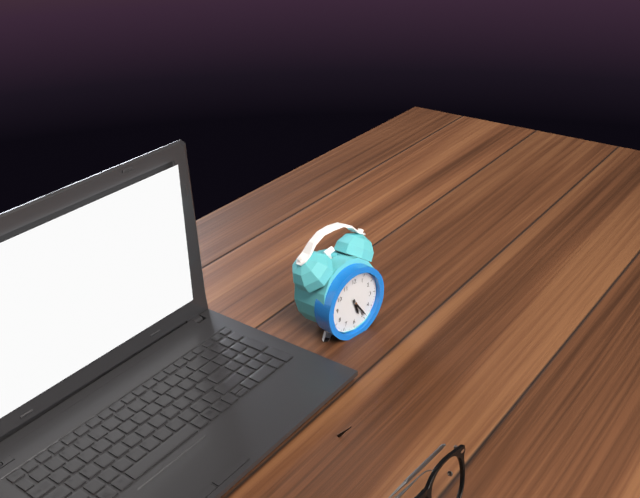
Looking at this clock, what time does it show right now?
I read 5:24
